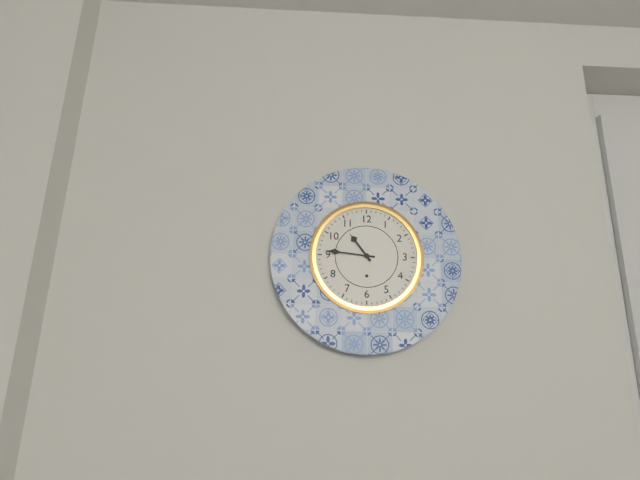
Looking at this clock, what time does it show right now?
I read 10:46
